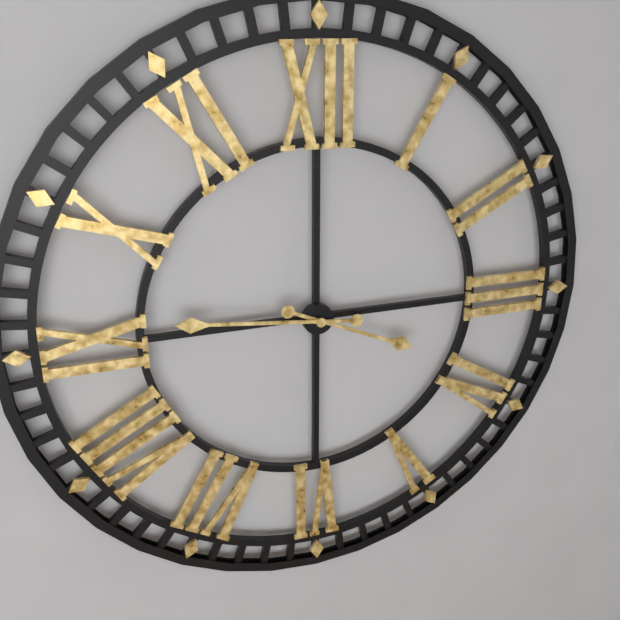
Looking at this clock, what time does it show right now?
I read 3:46
